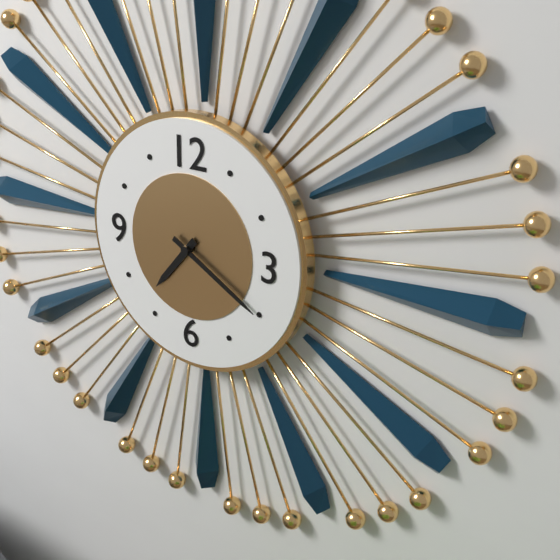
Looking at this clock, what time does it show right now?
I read 7:20
